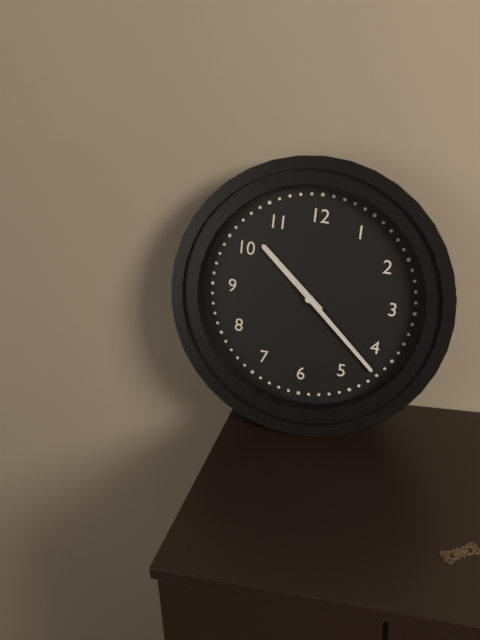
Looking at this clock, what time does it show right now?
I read 10:22
